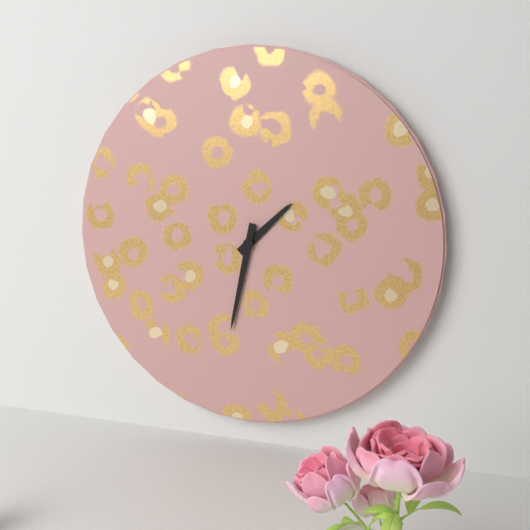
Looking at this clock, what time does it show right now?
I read 1:32
